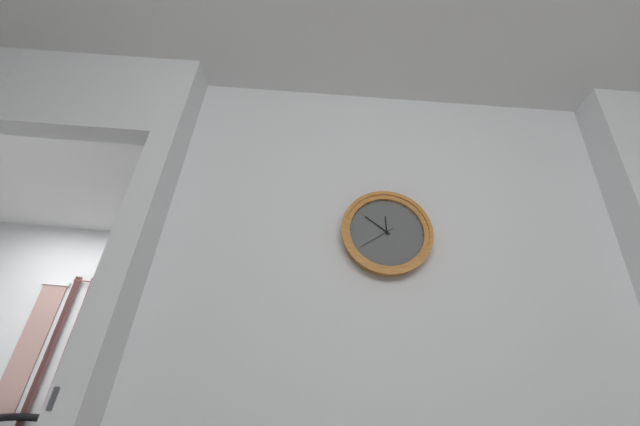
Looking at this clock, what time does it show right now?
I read 11:51
